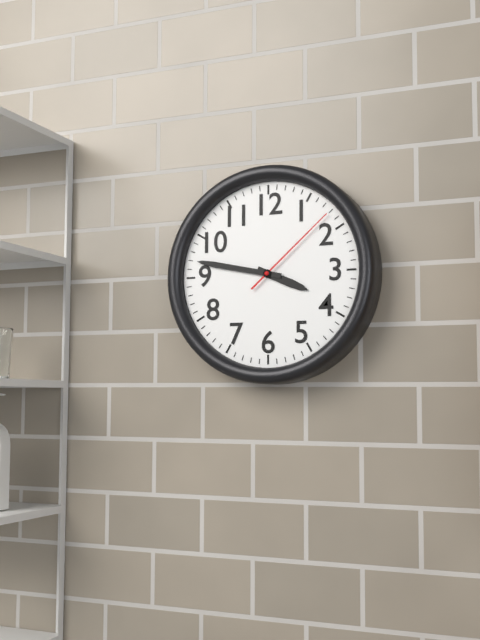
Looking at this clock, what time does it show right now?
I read 3:47:08
